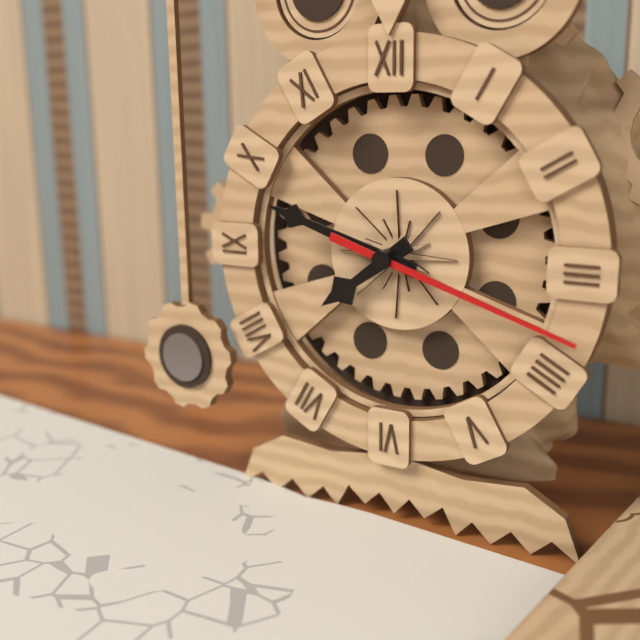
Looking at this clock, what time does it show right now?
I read 7:48:18
